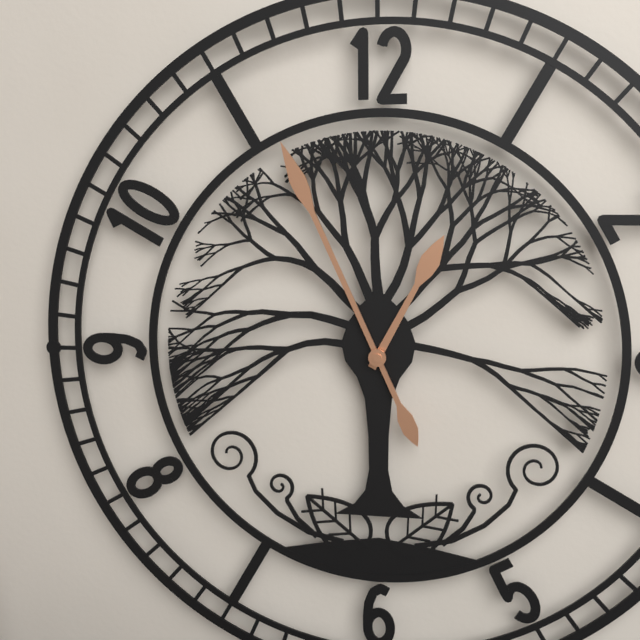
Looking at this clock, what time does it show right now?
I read 12:56
